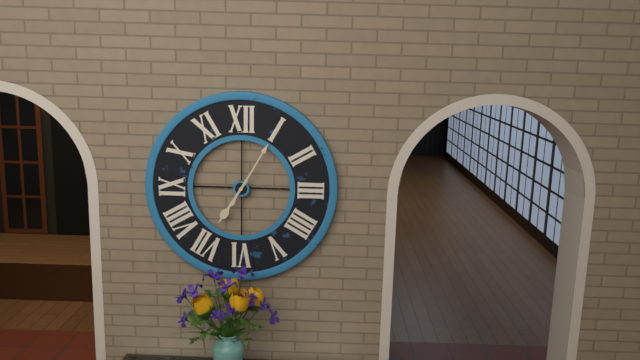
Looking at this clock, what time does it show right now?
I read 7:05
